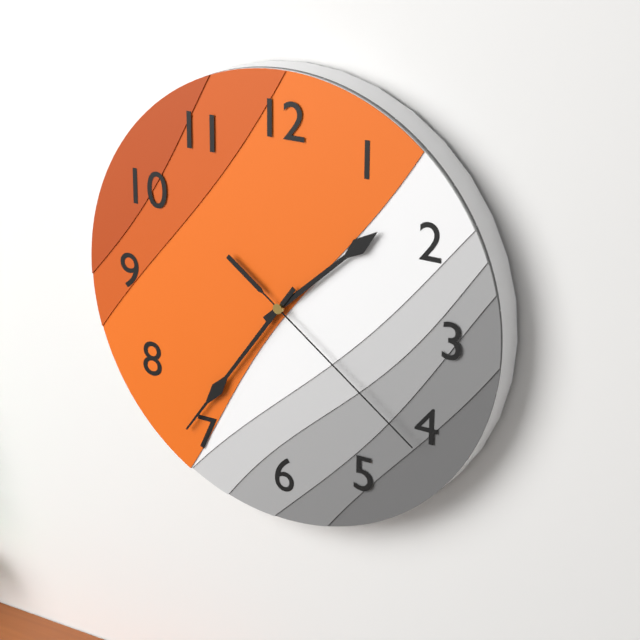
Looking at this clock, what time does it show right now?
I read 1:36:21
